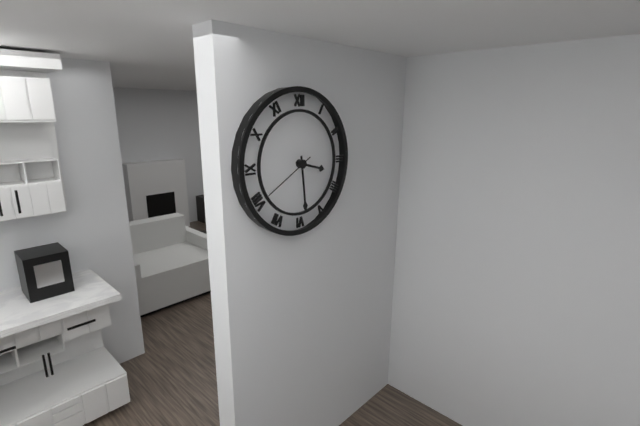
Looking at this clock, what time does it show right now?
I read 3:29:40
